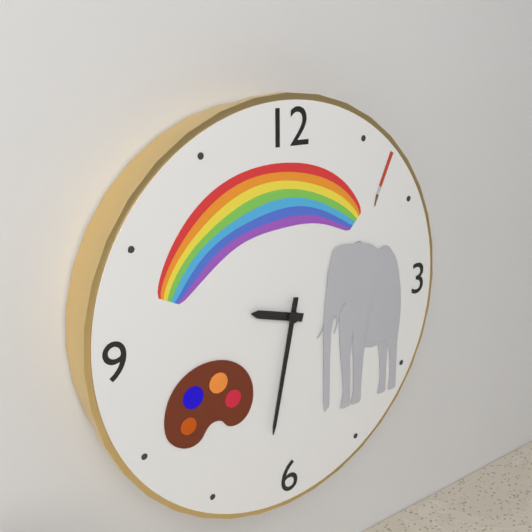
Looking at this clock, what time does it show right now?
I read 9:32
